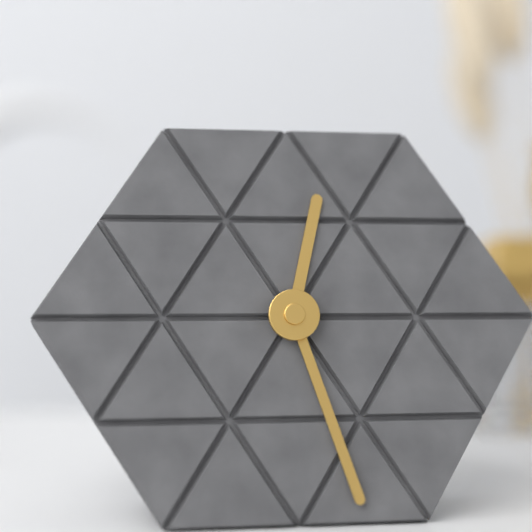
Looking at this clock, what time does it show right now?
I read 12:27
